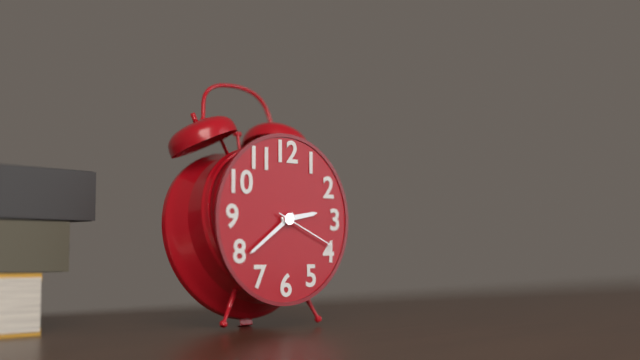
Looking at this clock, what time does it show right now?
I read 2:39:19
